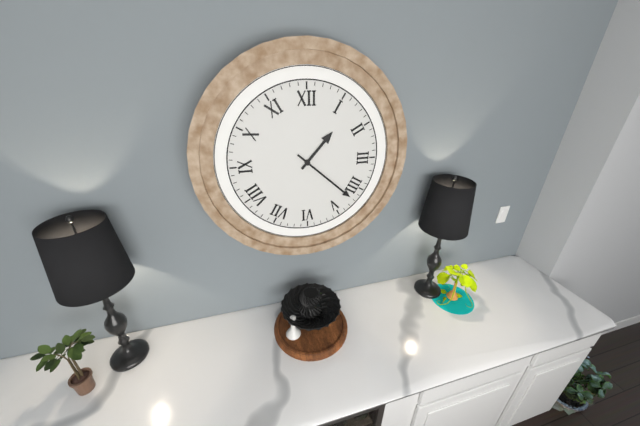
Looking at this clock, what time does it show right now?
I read 1:22
